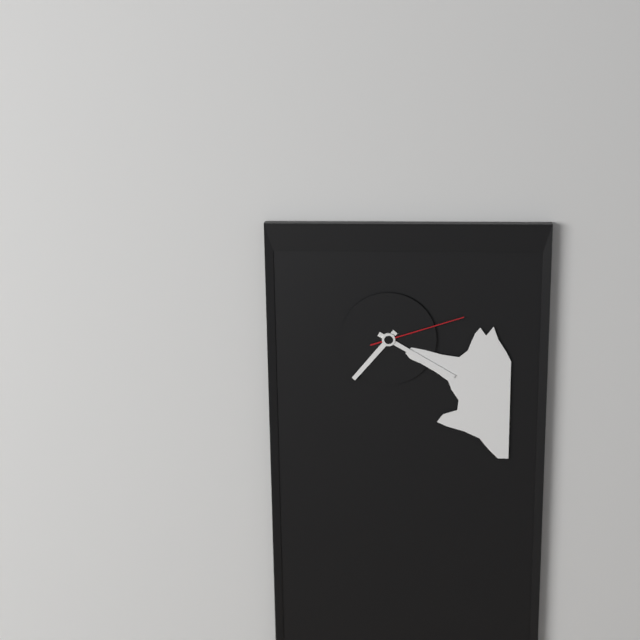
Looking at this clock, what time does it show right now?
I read 7:20:12
